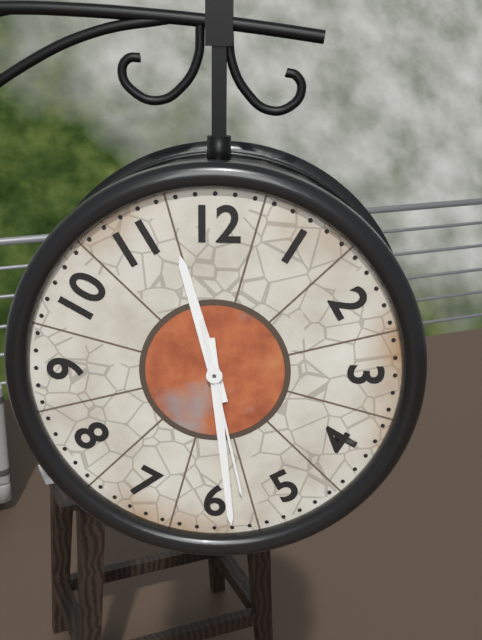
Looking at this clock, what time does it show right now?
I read 11:29:28
